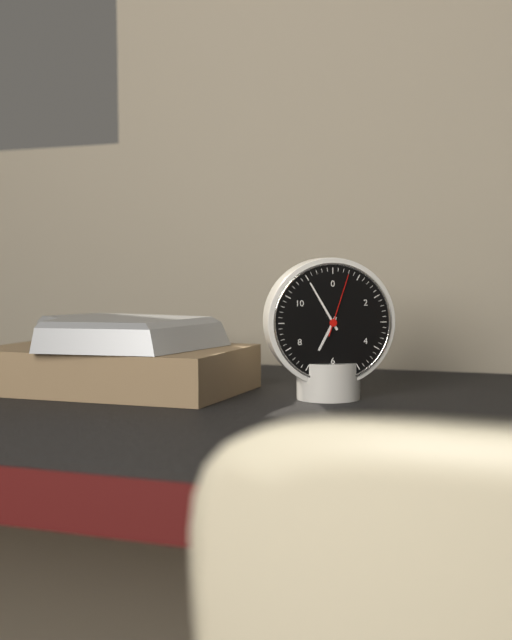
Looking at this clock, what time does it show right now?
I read 6:55:03
